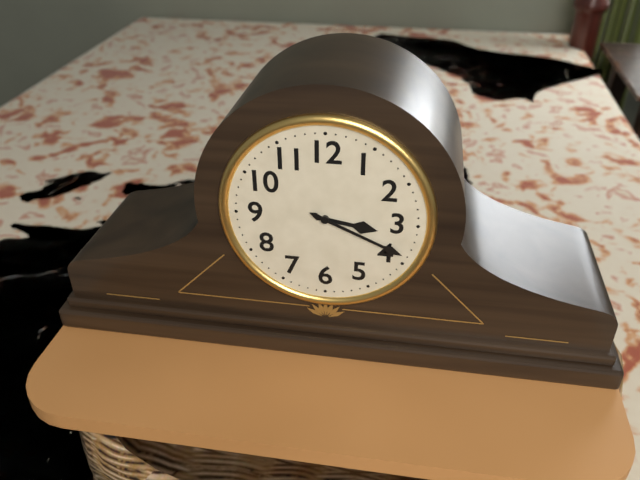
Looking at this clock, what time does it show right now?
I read 3:19
